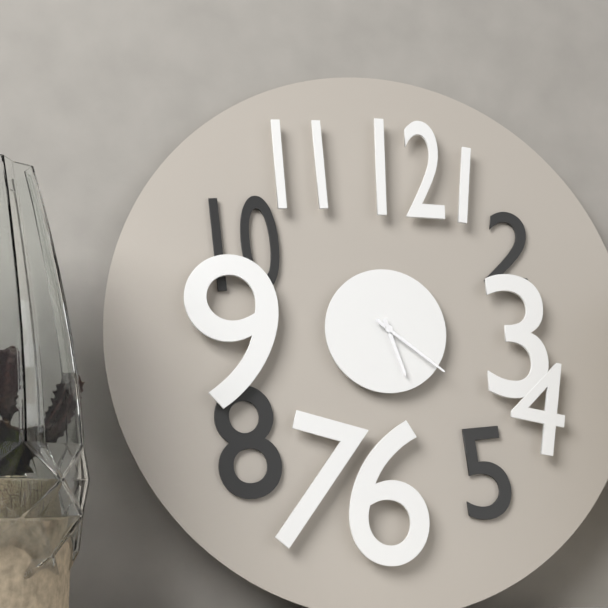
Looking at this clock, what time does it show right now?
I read 5:21
